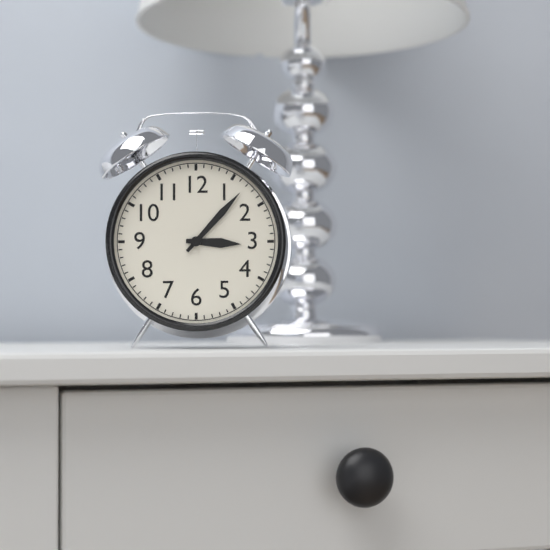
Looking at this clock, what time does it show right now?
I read 3:07
